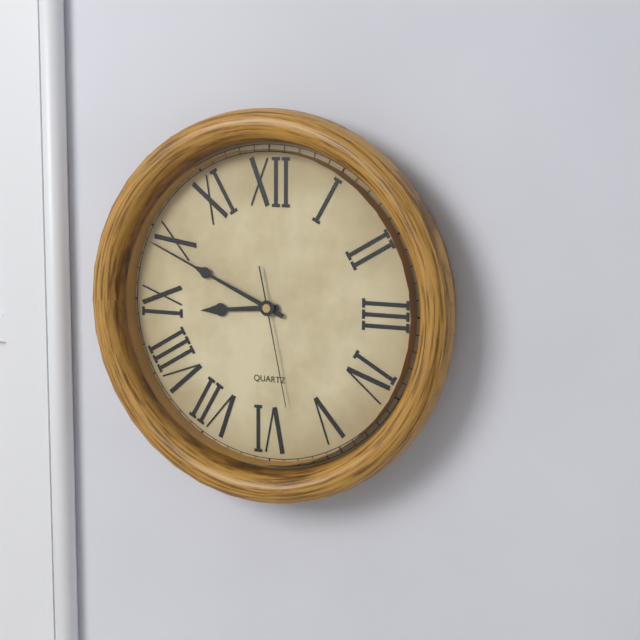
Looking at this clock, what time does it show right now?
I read 8:49:28
